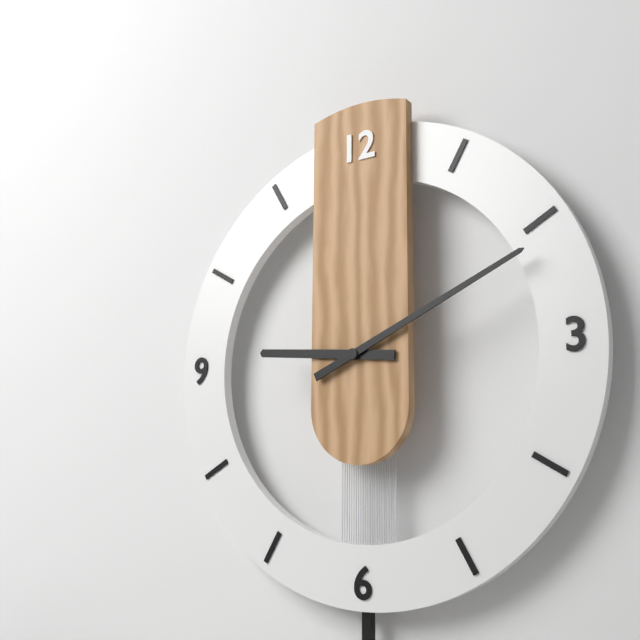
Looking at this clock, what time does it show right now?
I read 9:11
